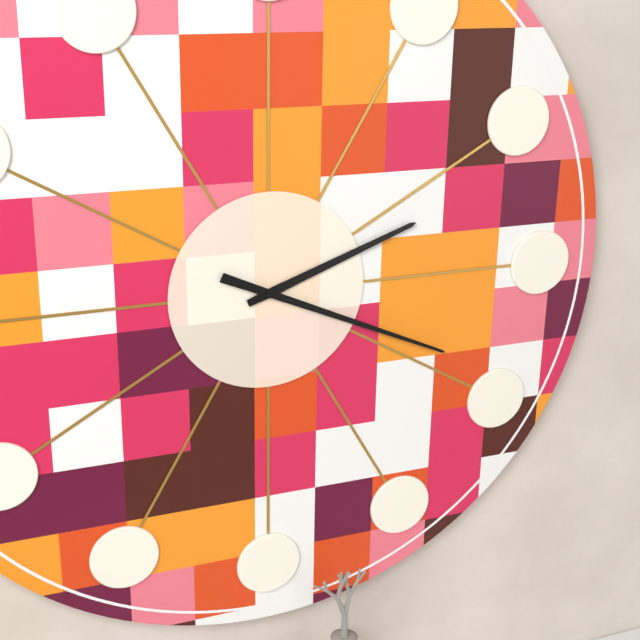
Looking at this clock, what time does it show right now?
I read 2:19
